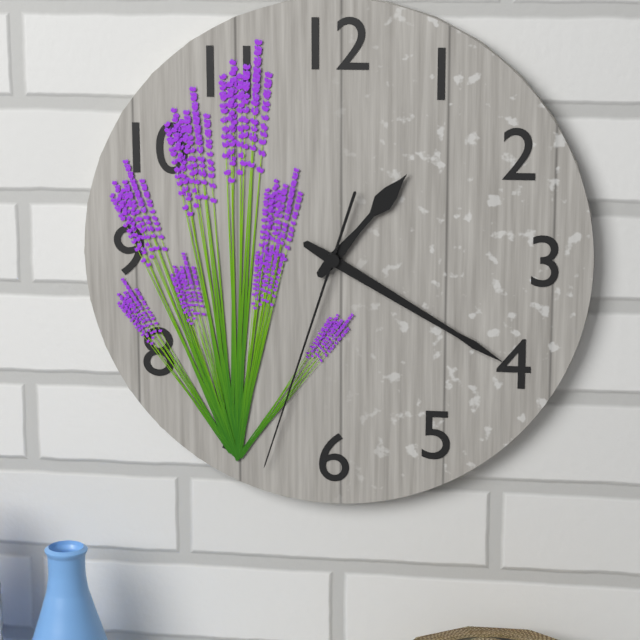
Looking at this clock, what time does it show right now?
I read 1:20:33
